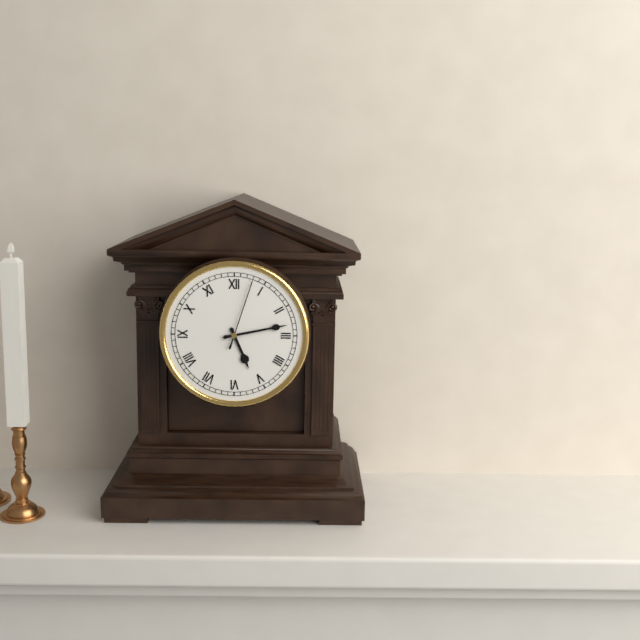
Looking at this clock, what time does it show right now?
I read 5:13:03
